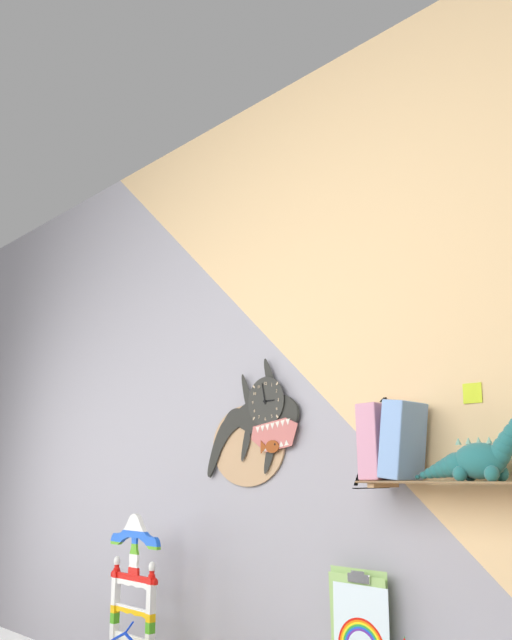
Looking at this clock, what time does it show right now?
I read 2:58
